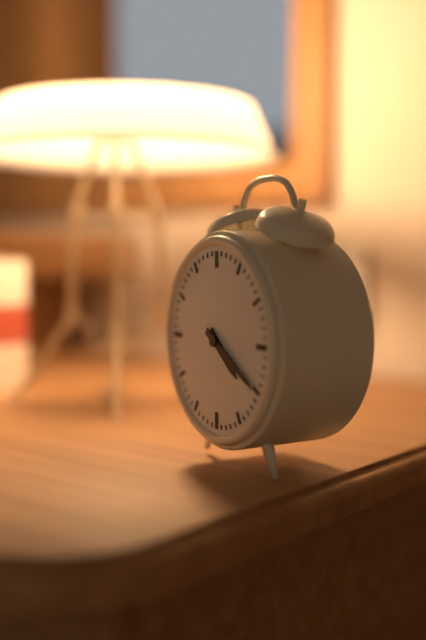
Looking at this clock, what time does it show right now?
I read 4:20
